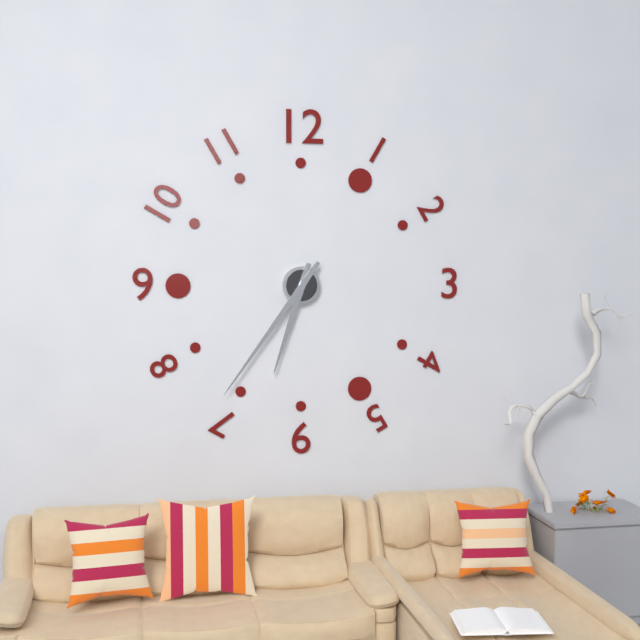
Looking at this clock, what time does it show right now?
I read 6:36
